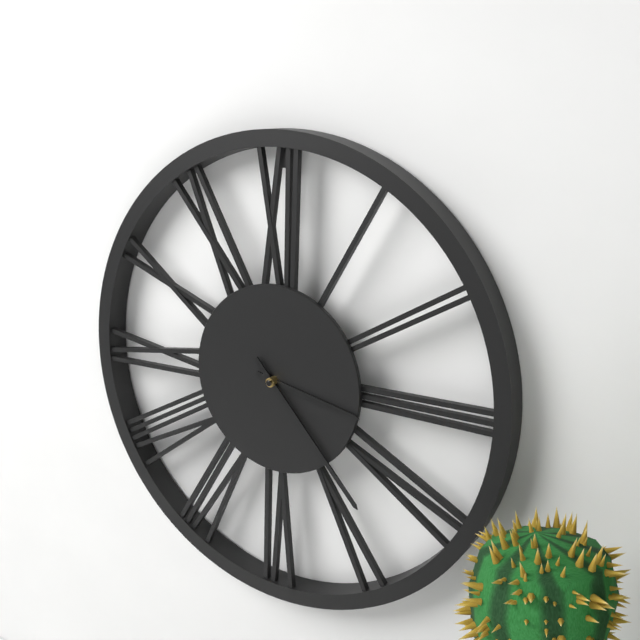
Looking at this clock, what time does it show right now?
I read 3:23
